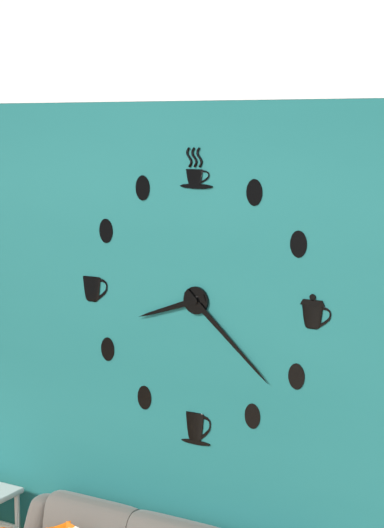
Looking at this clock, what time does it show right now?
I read 8:22
